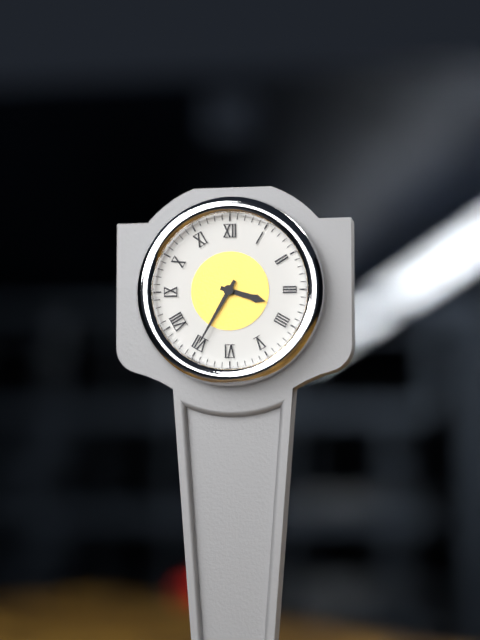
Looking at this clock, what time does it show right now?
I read 3:35
